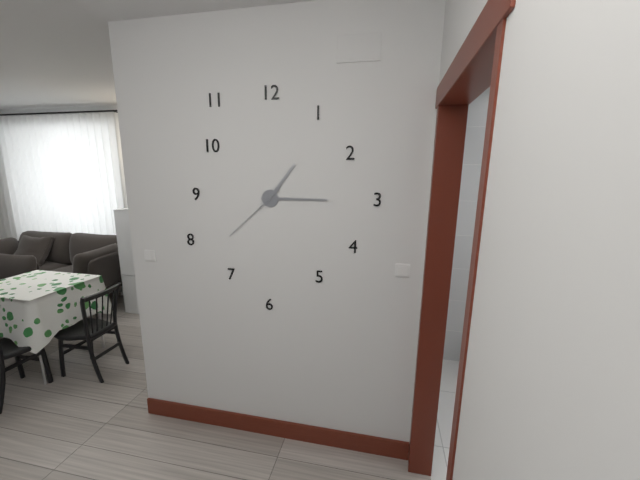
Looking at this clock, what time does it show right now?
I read 1:15:38
